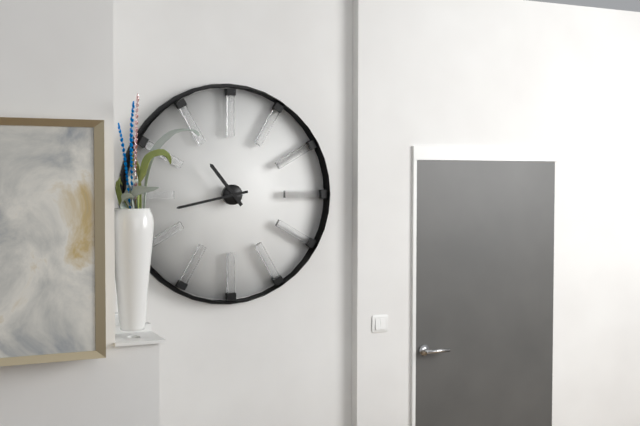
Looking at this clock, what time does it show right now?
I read 10:43
